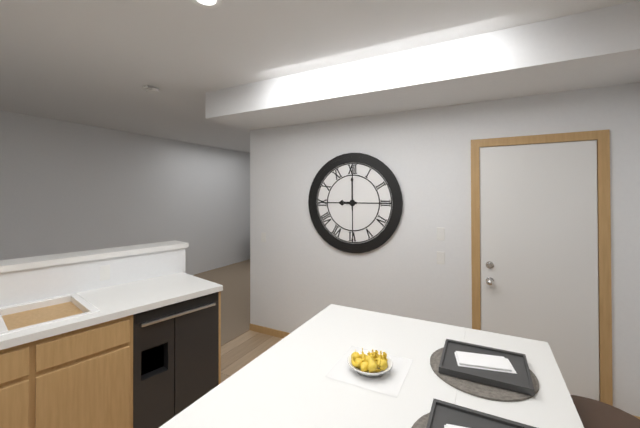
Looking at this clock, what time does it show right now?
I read 9:00
